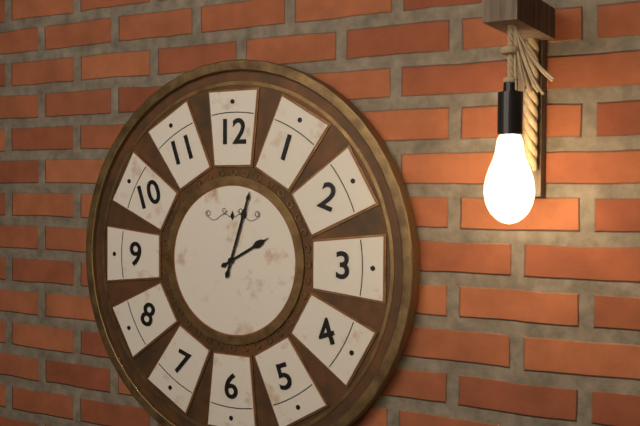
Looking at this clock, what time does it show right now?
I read 2:03
